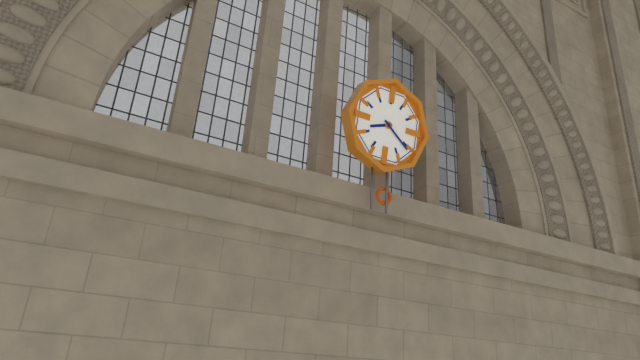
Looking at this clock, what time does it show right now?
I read 8:21
